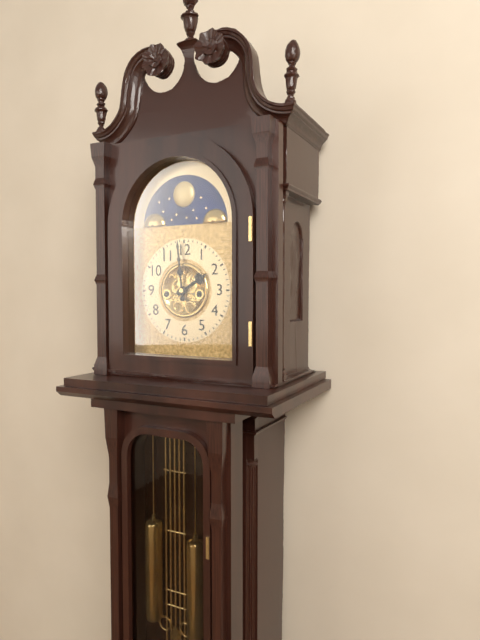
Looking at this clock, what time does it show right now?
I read 1:59
